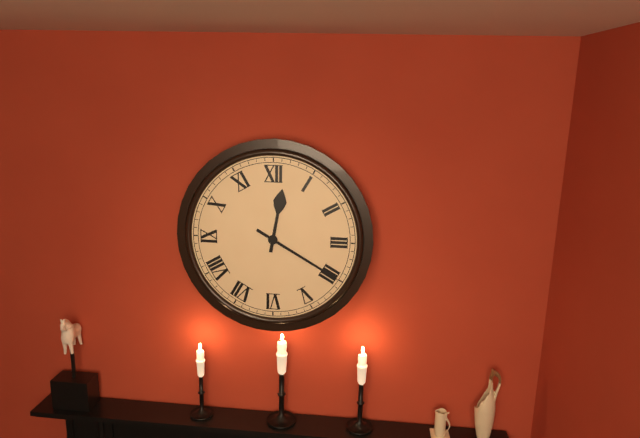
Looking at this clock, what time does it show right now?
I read 12:20
